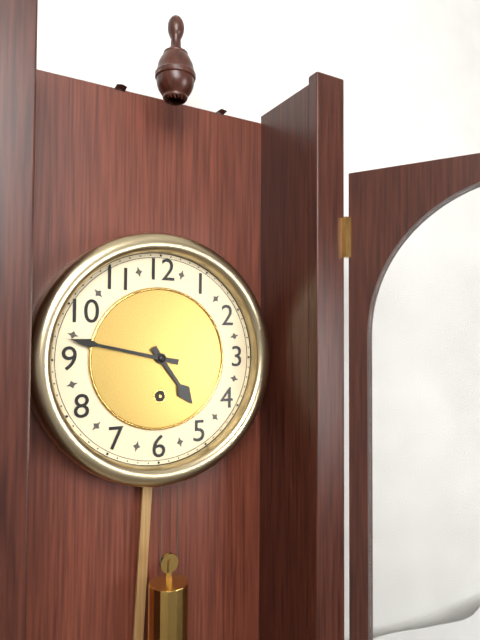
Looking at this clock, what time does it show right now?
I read 4:47
